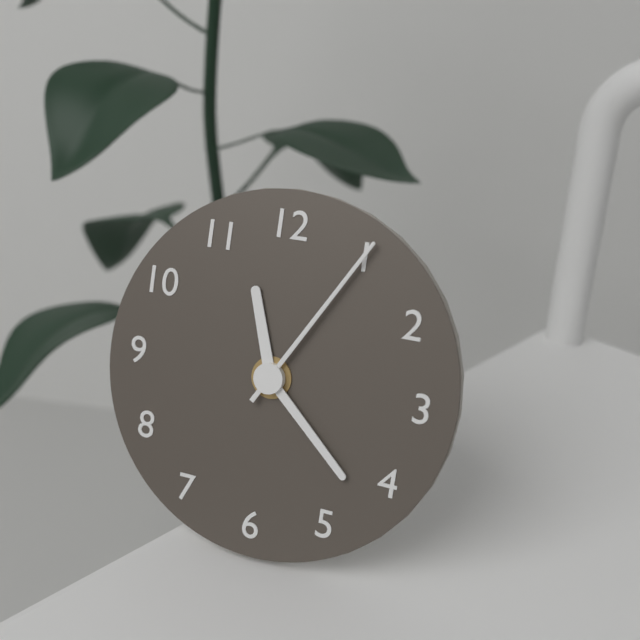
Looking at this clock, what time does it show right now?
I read 11:22:05
